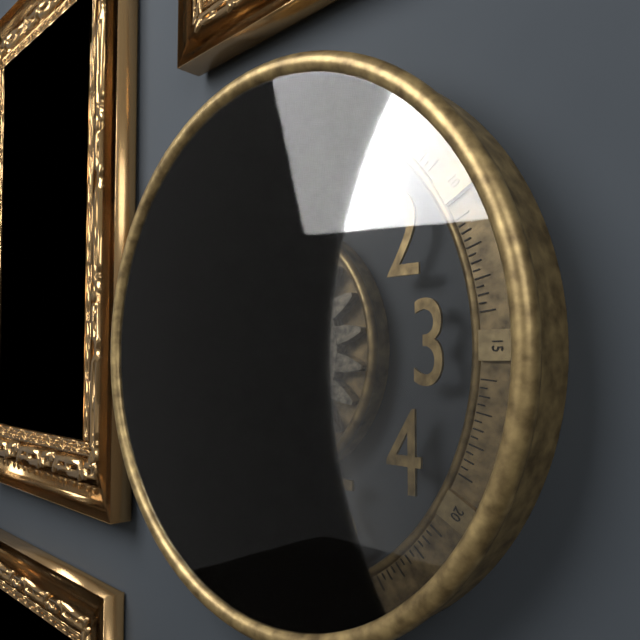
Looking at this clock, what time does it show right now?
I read 8:39
